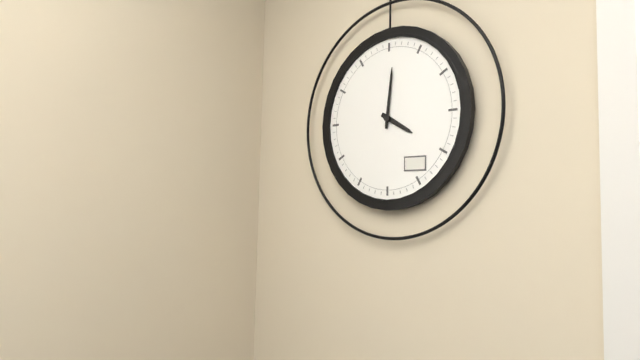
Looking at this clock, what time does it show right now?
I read 4:01
